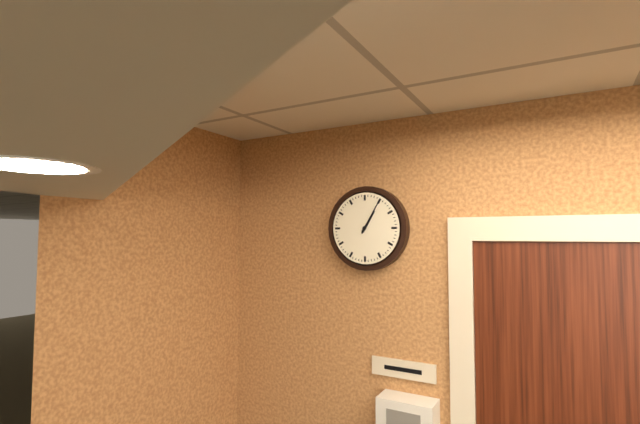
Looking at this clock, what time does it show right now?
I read 1:05
